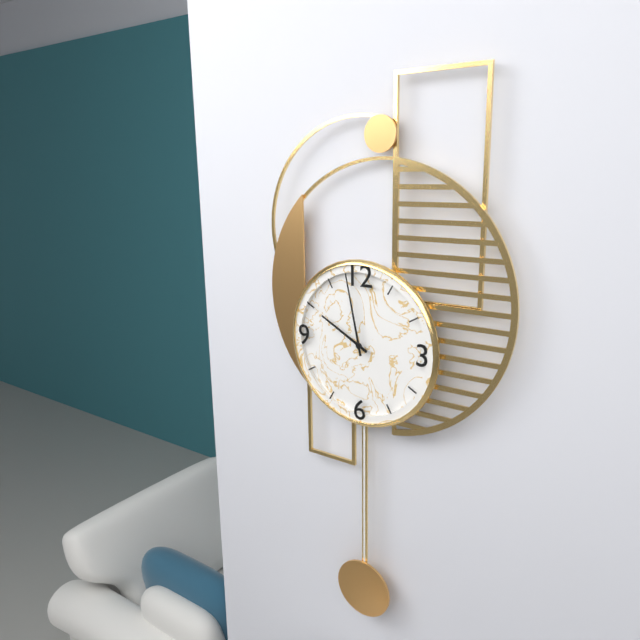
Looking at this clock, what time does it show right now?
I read 9:58
